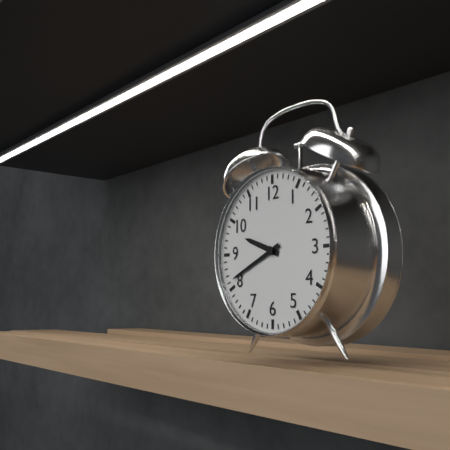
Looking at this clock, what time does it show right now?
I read 9:41
